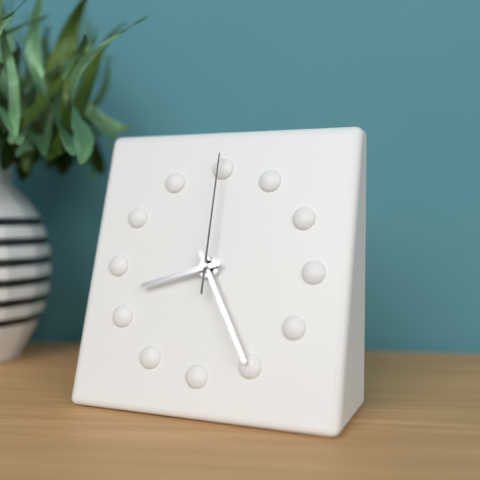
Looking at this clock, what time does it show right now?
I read 8:25:00
